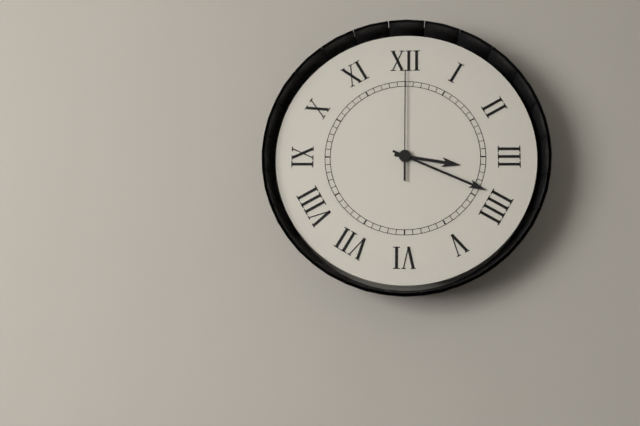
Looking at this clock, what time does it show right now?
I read 3:19:00
